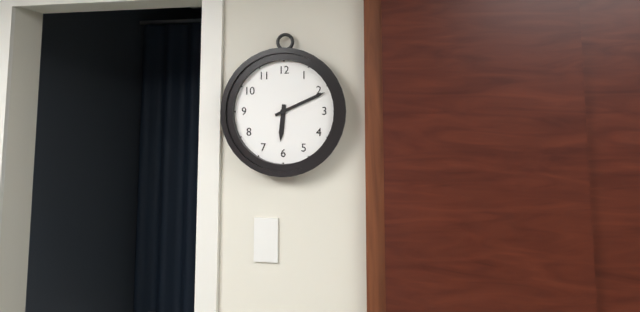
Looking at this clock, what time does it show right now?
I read 6:11
